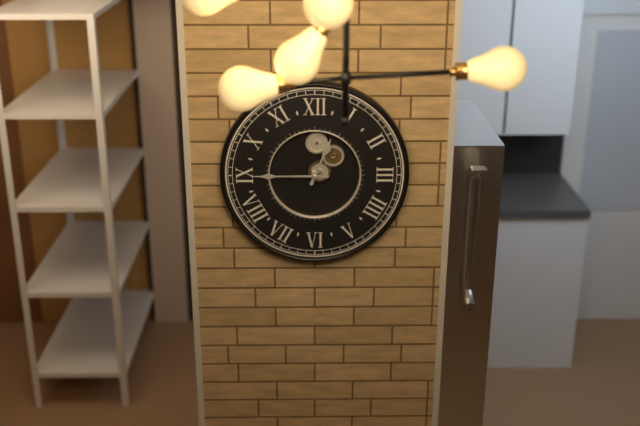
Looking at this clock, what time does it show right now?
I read 12:45
